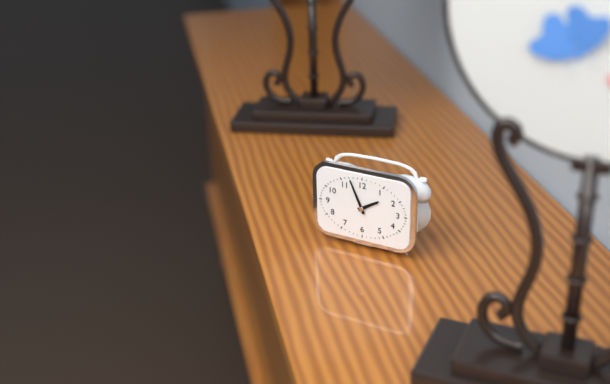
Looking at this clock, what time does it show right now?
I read 1:56
